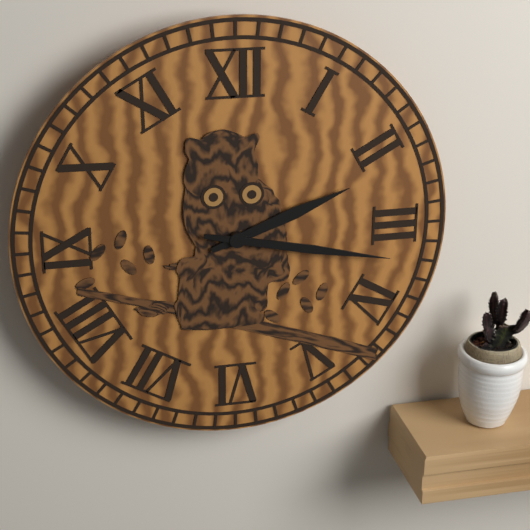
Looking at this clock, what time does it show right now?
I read 2:17
